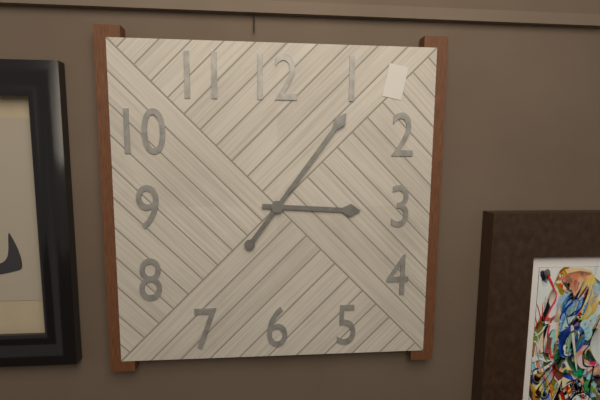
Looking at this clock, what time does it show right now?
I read 3:06
